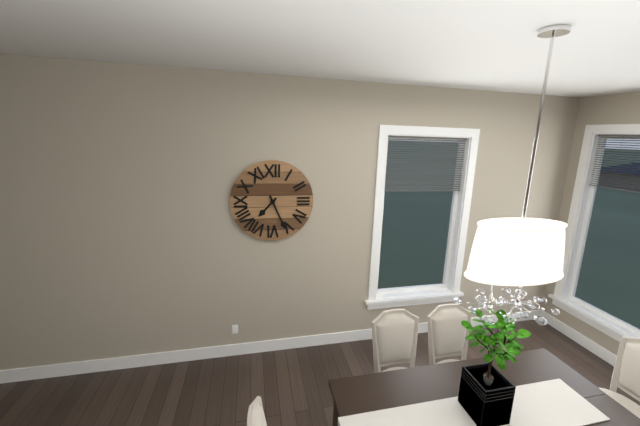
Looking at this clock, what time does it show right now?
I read 7:26
